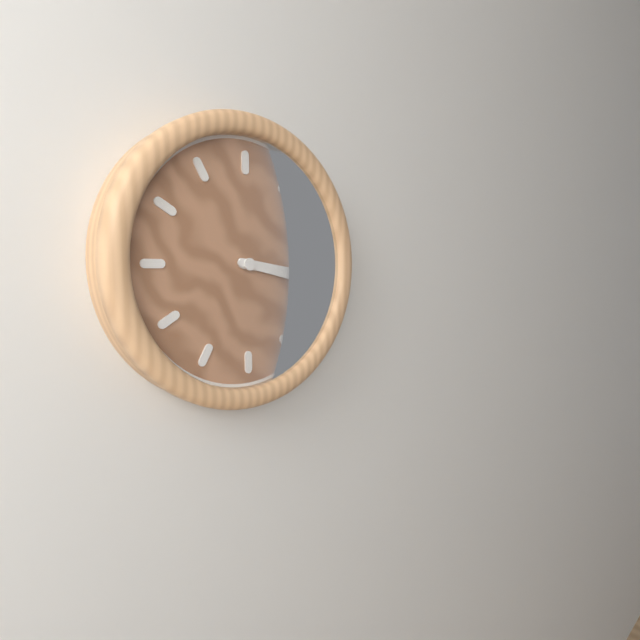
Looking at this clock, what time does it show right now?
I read 3:17
